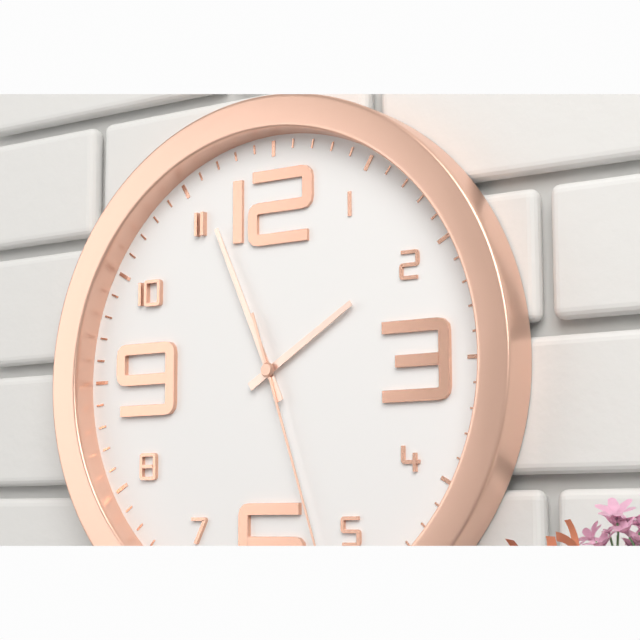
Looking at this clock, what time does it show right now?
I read 1:56:27
